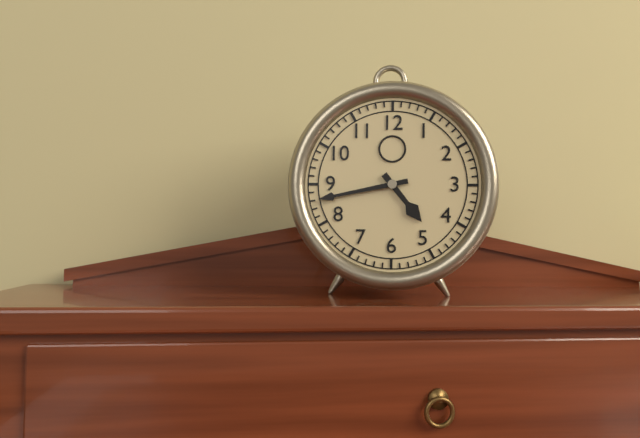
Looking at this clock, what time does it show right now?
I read 4:43
